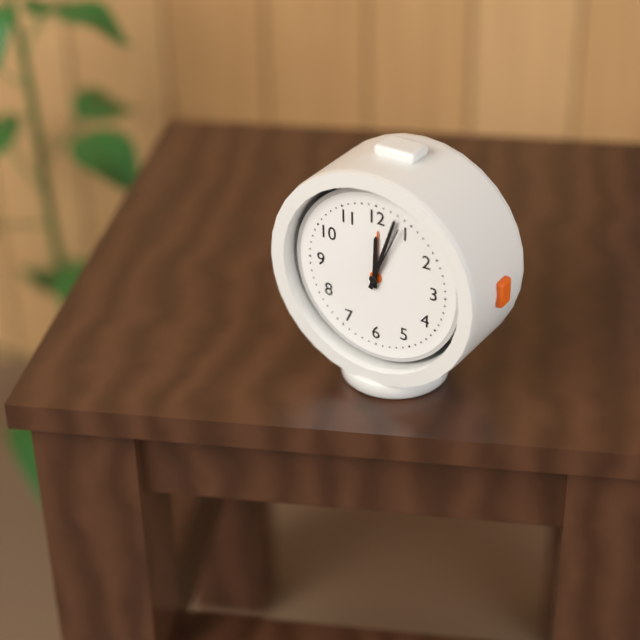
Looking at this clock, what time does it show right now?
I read 12:03:04
